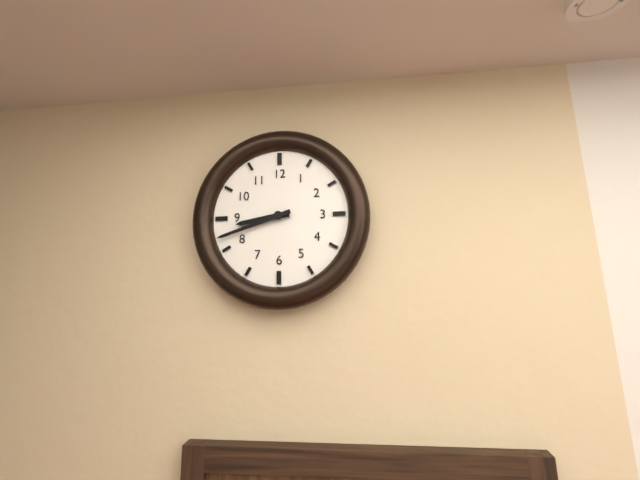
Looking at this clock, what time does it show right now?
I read 8:42
